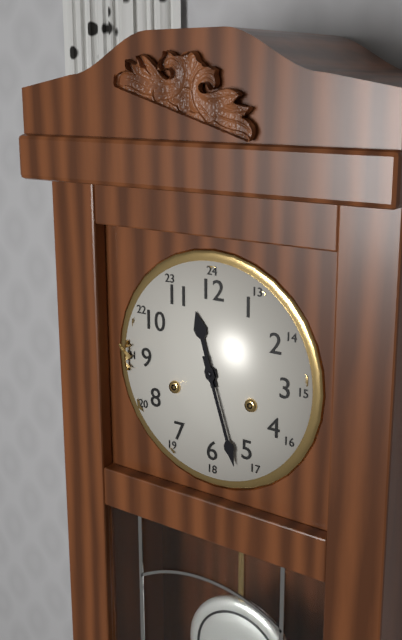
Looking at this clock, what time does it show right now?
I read 11:27
